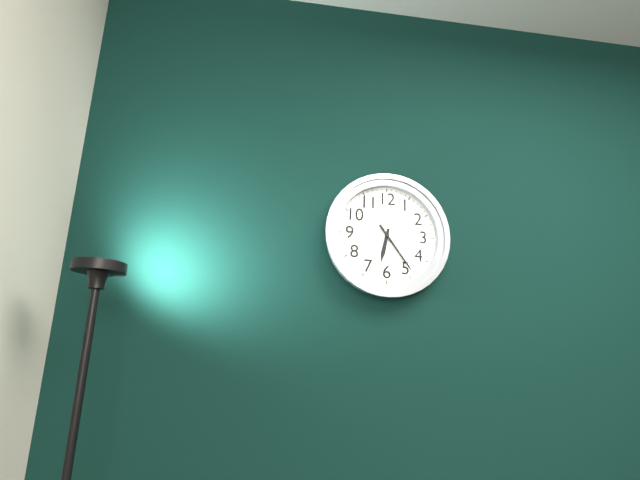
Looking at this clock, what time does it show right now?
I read 6:24
